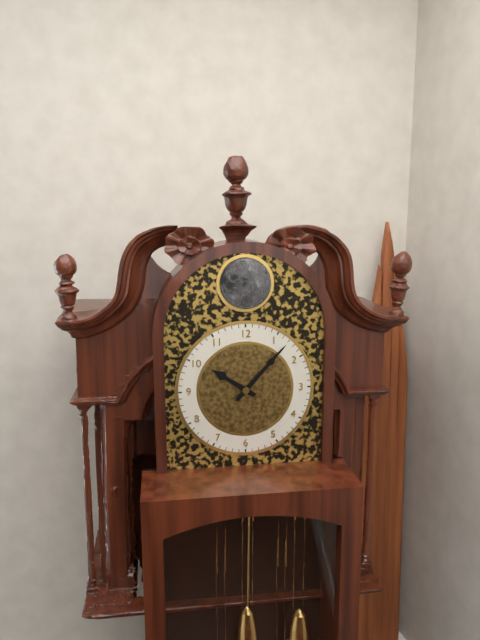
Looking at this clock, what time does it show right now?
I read 10:07
